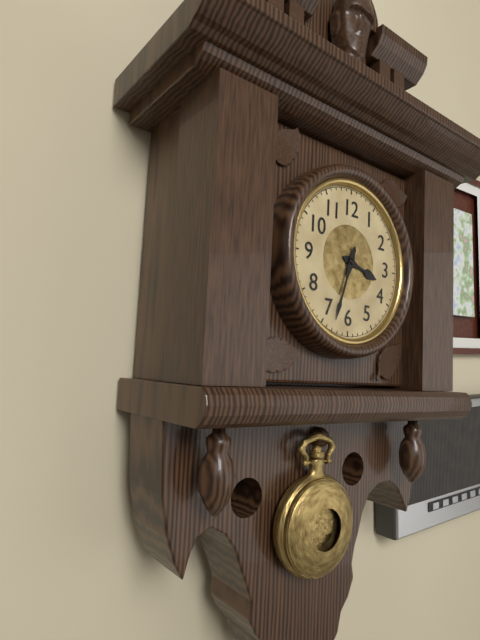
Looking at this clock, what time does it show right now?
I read 3:33
